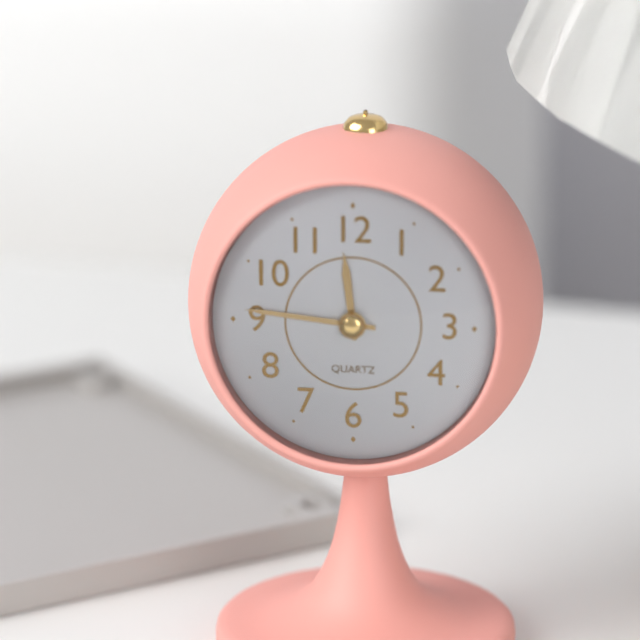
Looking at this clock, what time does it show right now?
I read 11:46
